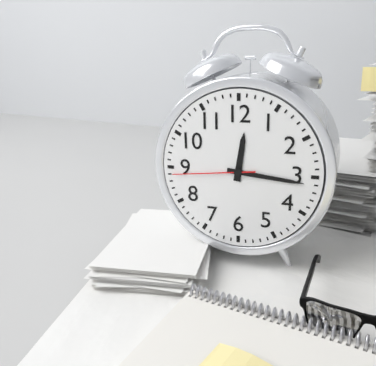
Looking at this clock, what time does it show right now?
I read 12:16:44
